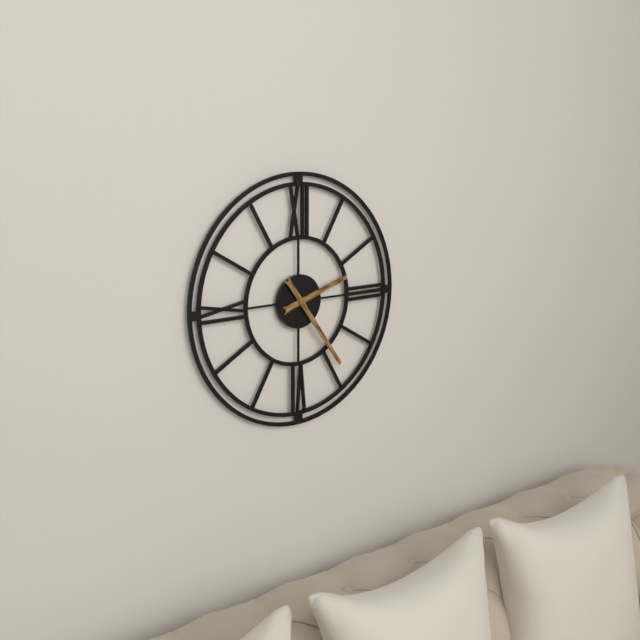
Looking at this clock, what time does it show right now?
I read 2:24
